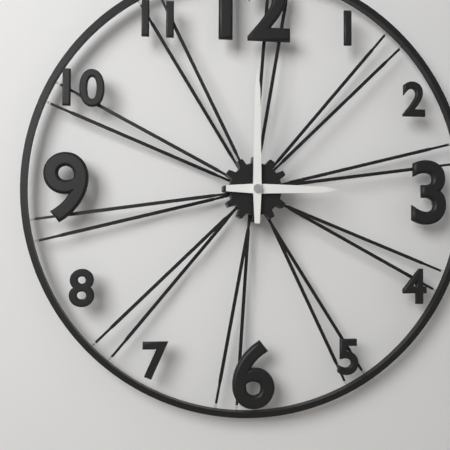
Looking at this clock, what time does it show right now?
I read 3:00
